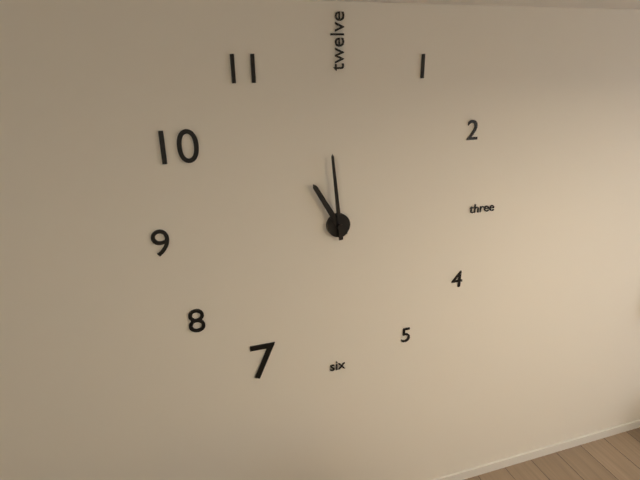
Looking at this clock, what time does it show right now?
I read 10:59
